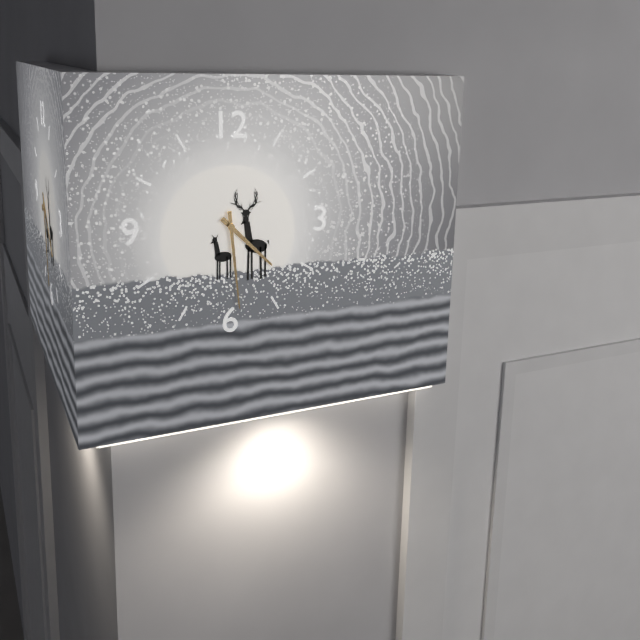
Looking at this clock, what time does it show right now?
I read 4:29
